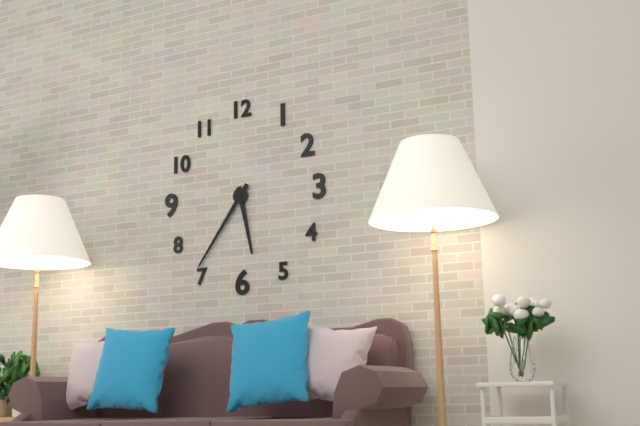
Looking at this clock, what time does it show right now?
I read 5:36
